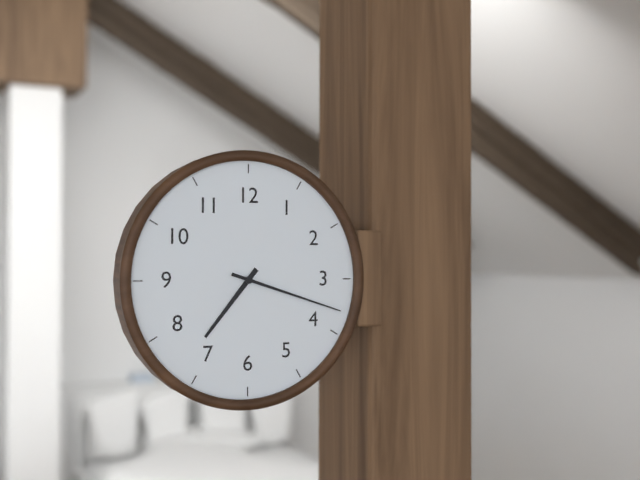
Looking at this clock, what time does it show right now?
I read 7:18
